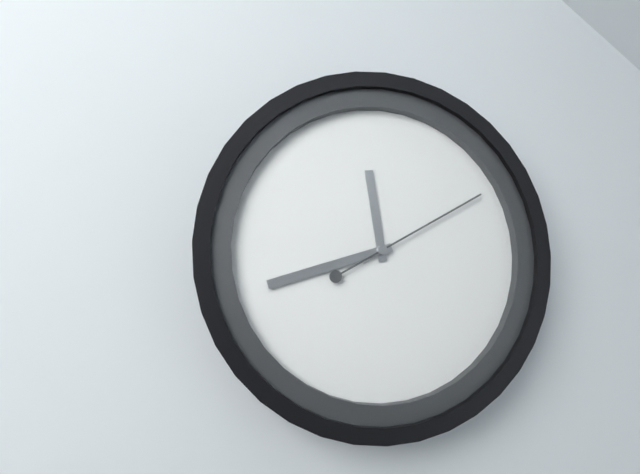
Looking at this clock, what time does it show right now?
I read 11:42:10
